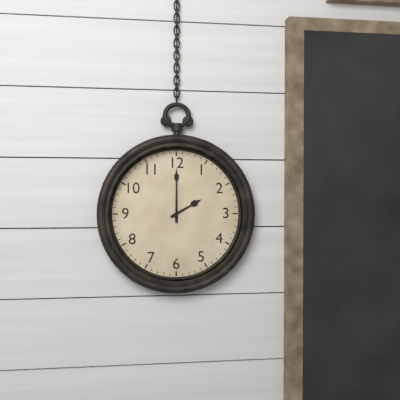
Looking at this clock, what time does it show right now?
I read 2:00
